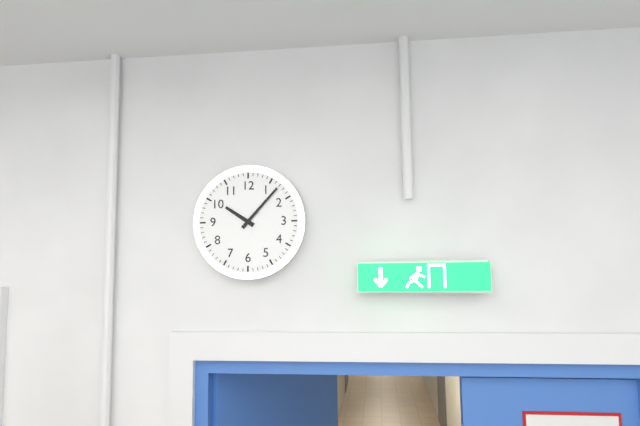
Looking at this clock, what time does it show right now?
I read 10:07
